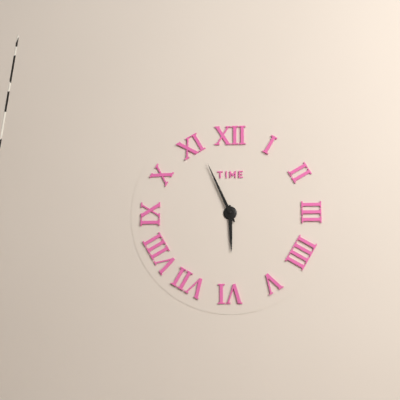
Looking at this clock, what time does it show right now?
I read 5:56
